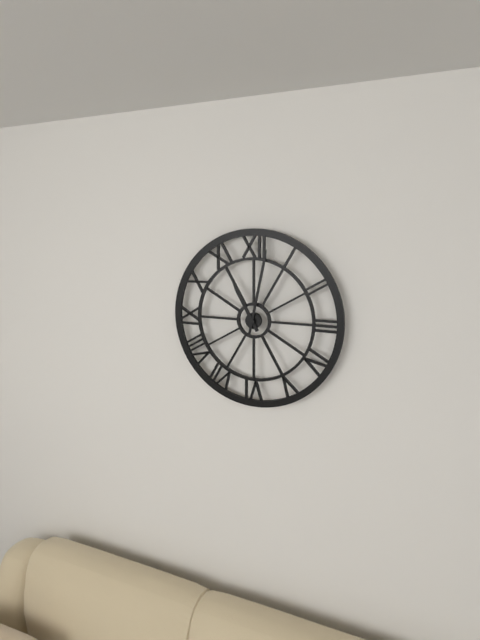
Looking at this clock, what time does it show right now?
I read 11:02
